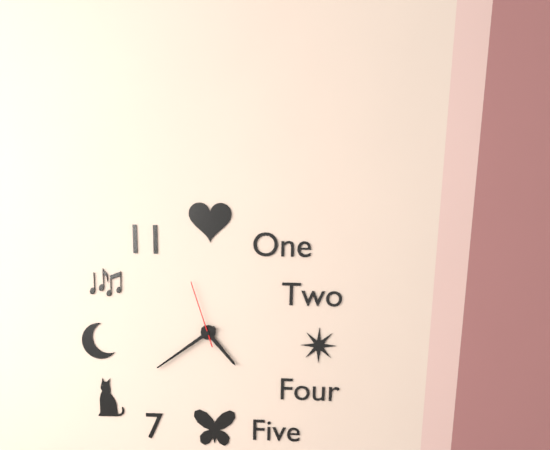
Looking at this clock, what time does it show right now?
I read 4:39:57
